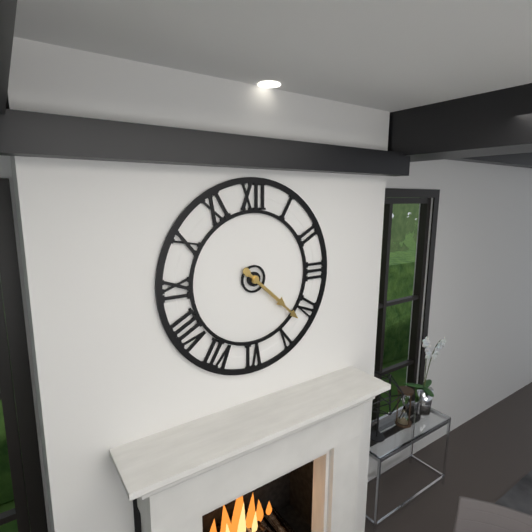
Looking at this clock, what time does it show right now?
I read 4:22
